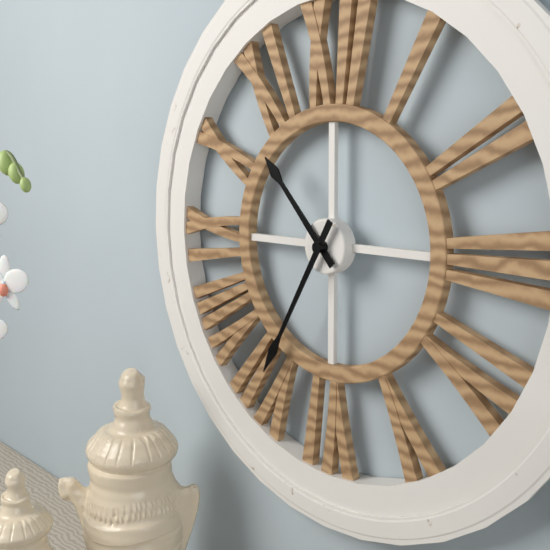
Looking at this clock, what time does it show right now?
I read 10:35
